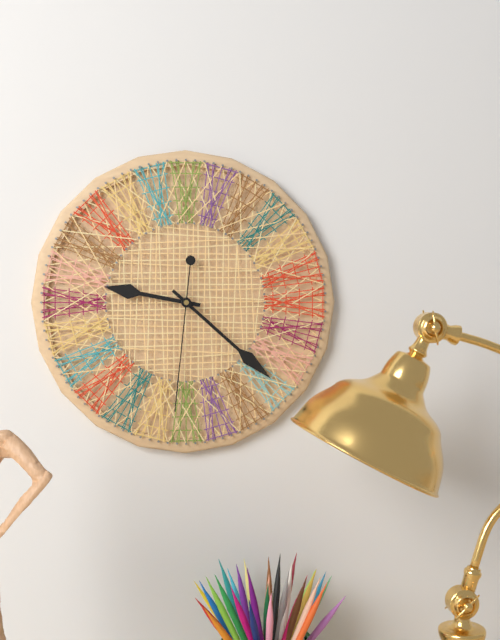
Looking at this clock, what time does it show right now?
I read 9:22:31
